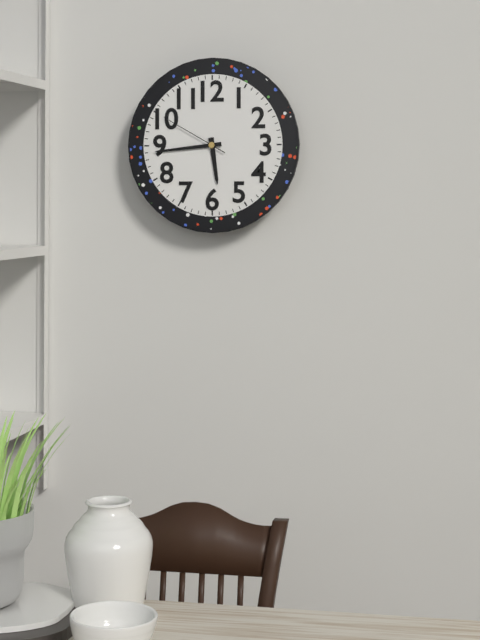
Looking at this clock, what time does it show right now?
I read 5:44:50
